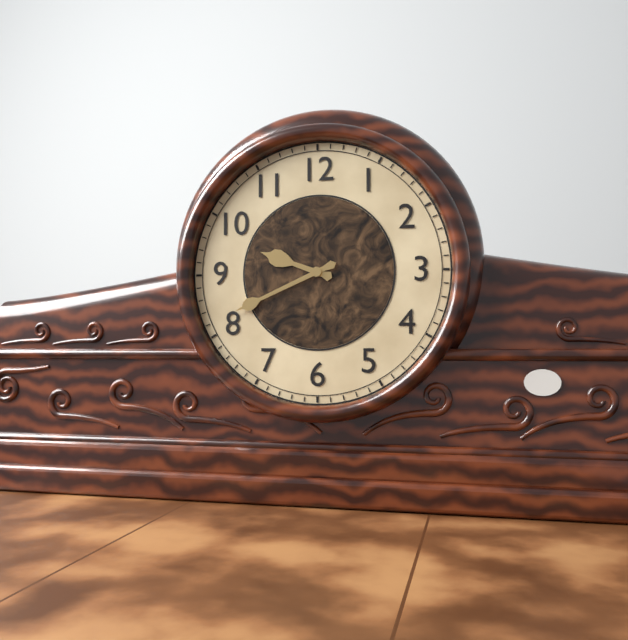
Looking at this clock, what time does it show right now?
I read 9:41
